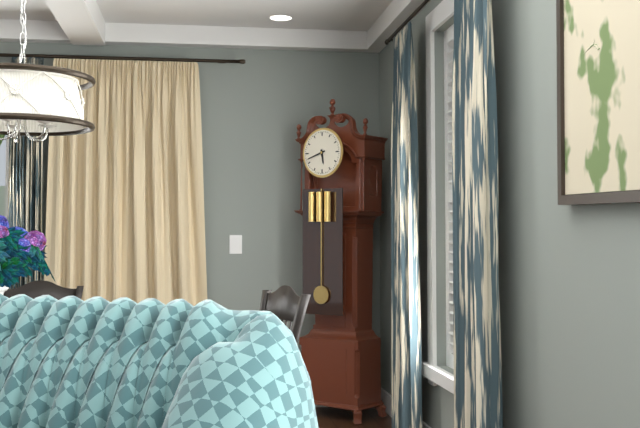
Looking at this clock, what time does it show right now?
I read 5:42
